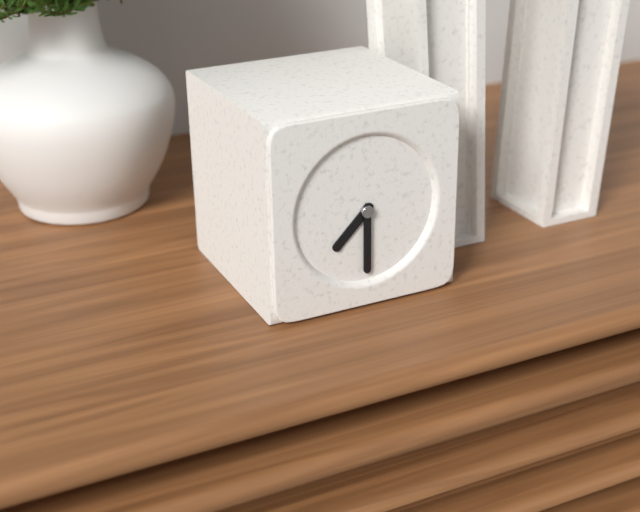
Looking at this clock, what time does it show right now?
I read 7:30
